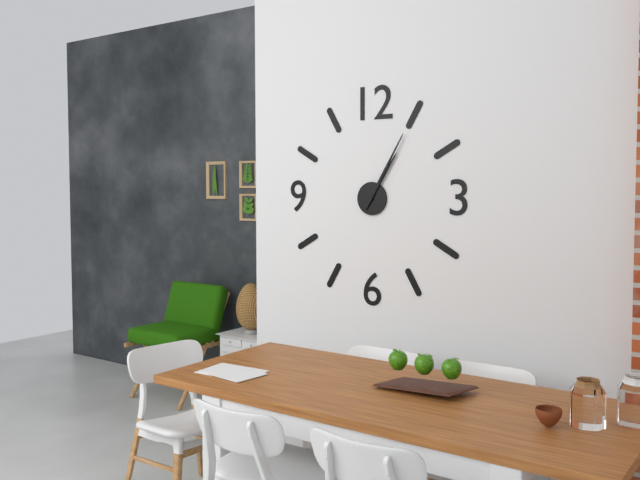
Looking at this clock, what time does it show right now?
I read 1:05
